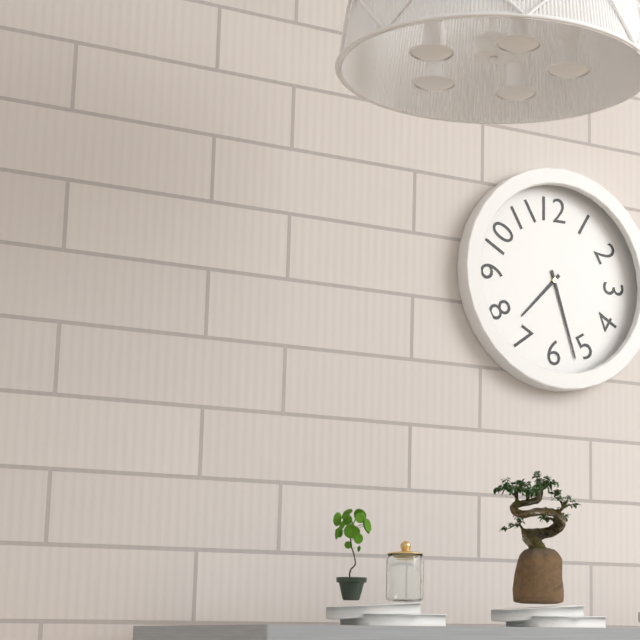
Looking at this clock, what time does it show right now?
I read 7:27
